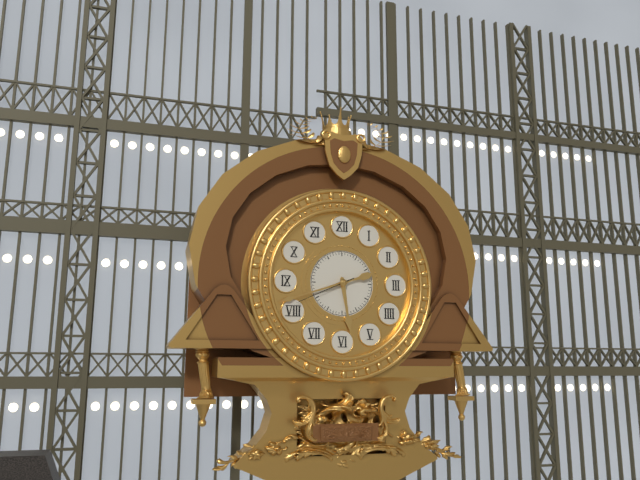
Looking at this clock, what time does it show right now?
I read 5:42:41
